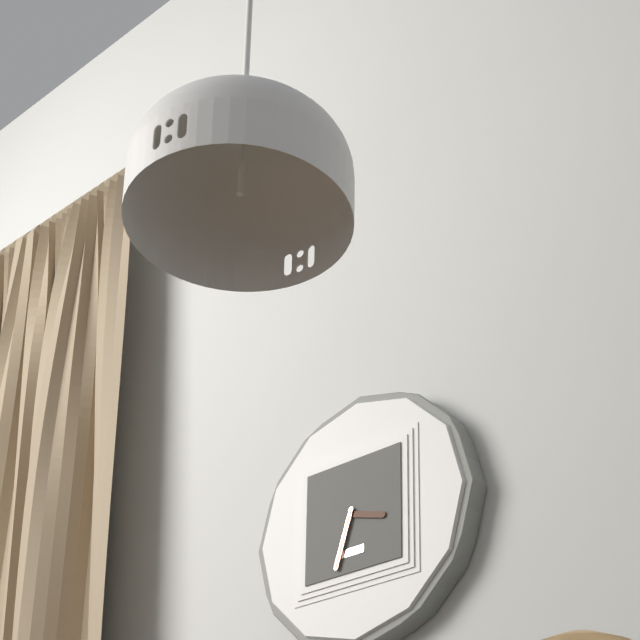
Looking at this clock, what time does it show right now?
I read 3:33
